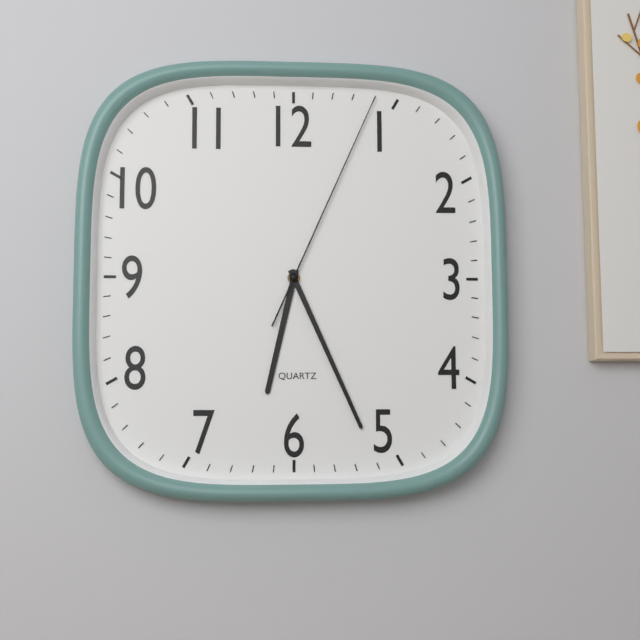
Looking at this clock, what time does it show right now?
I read 6:26:04
